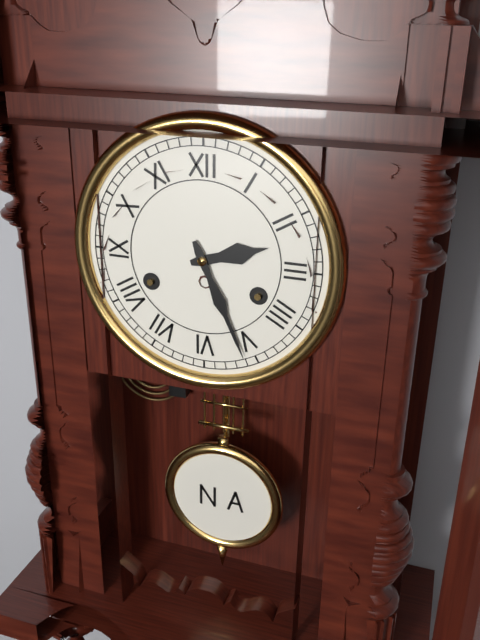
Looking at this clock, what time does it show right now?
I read 2:26
